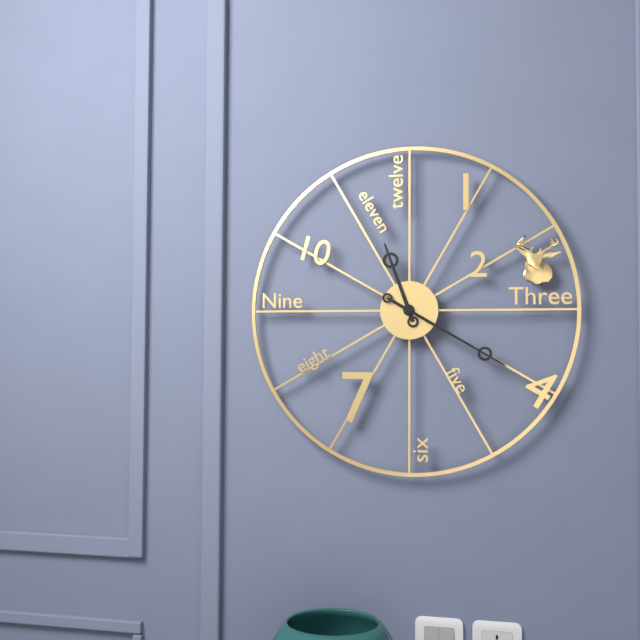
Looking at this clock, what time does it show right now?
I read 11:20
